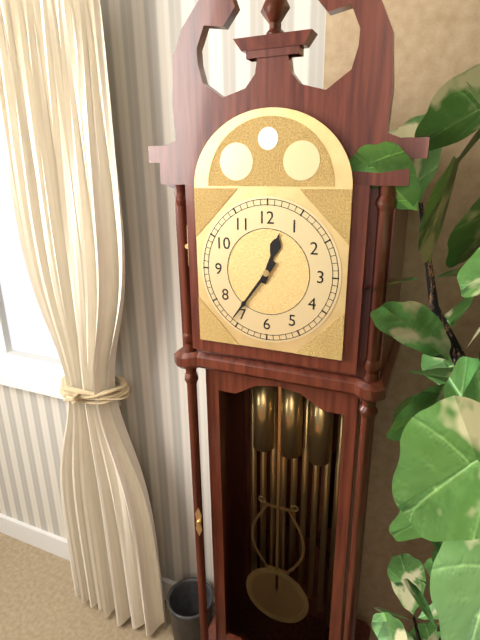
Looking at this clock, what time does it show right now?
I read 12:36
